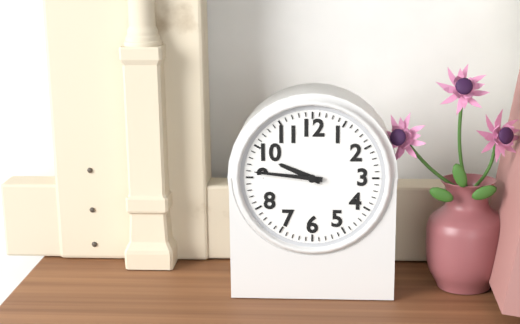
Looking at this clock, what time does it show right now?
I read 9:46
